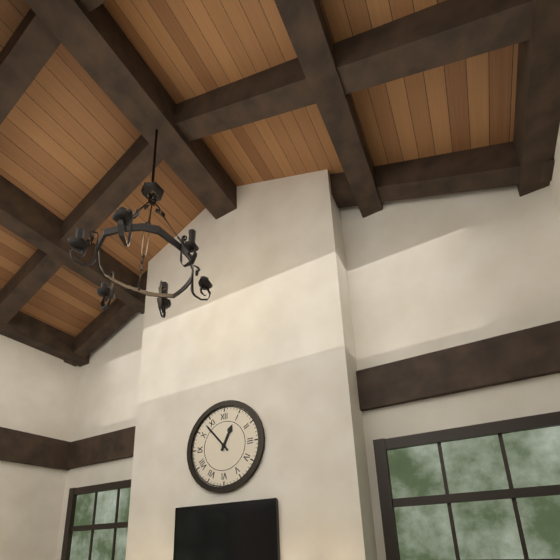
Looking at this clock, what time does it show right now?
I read 12:53
